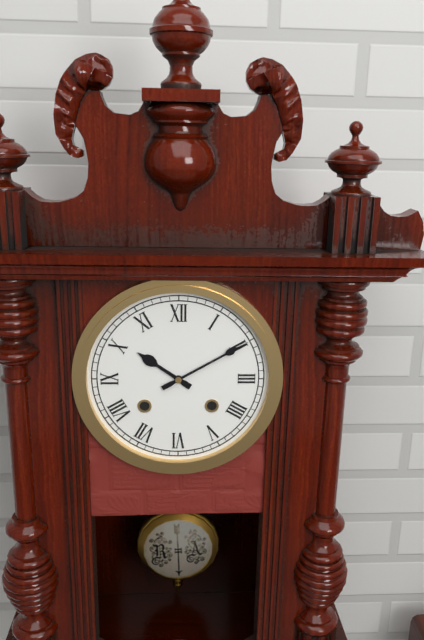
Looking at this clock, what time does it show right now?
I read 10:10
